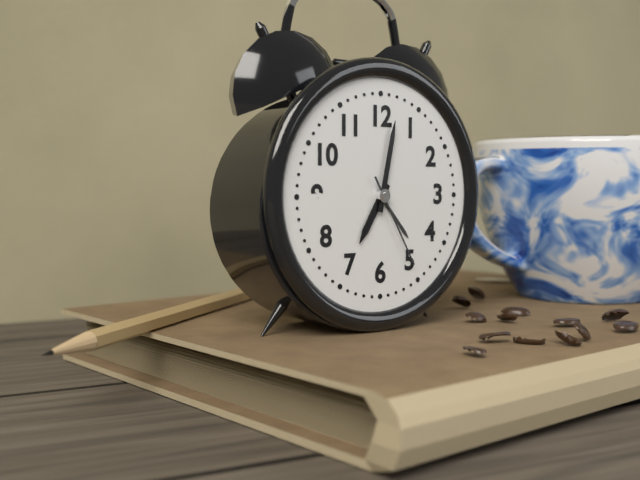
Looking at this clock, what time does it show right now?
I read 7:02:25
